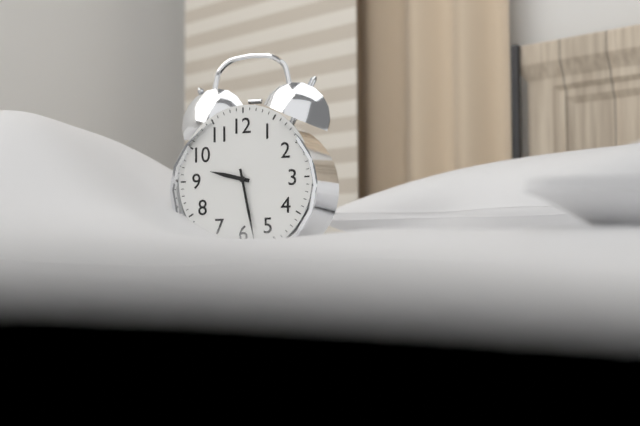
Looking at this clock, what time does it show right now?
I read 9:28
